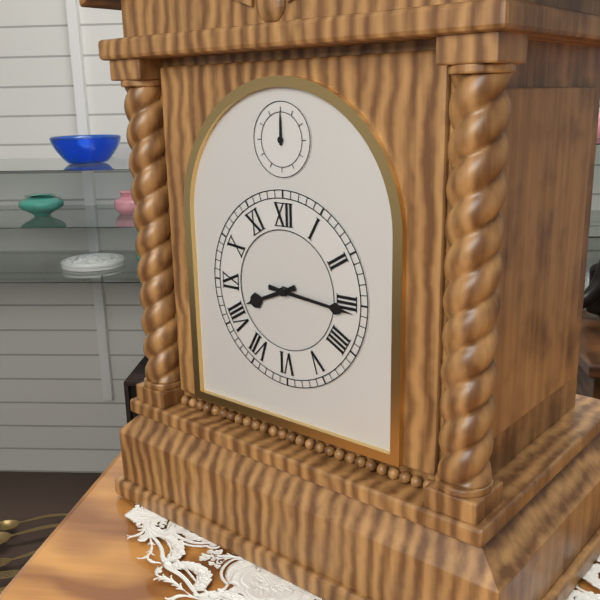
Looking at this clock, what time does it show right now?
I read 8:16
